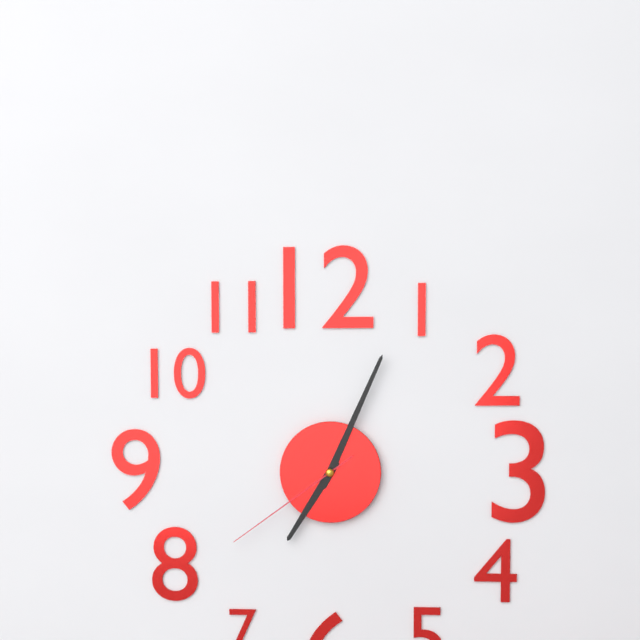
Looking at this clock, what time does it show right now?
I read 7:04:39
